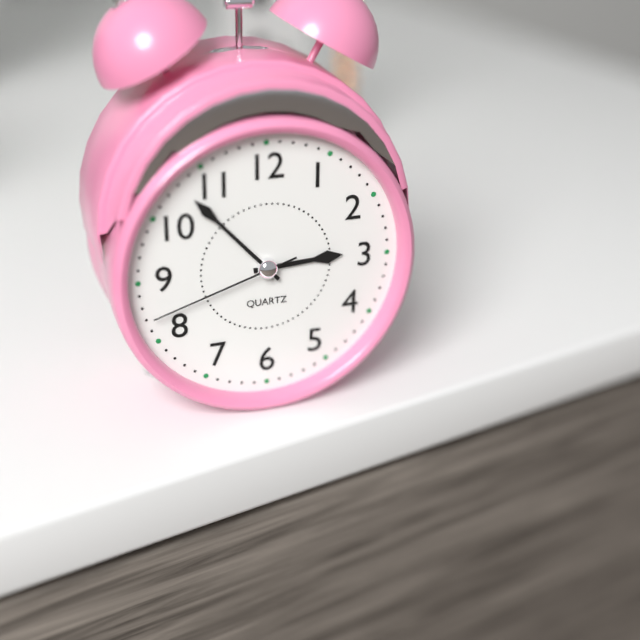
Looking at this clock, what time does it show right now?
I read 2:53:42
